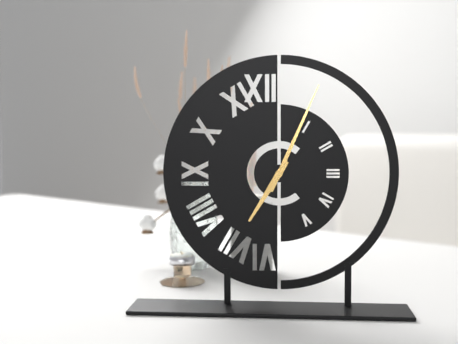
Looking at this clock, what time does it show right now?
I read 7:04
